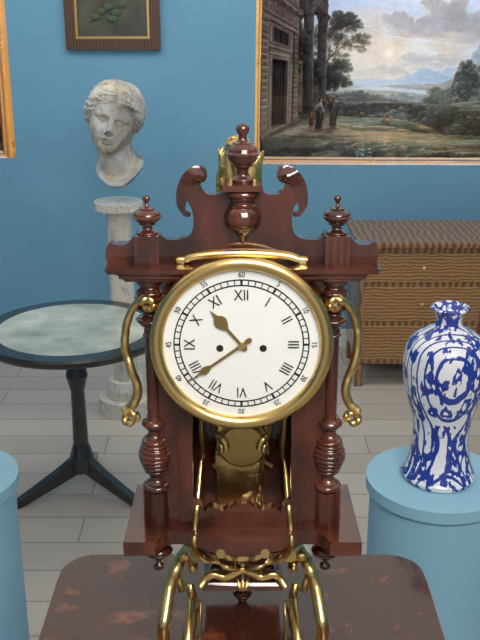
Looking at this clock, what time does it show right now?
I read 10:39
